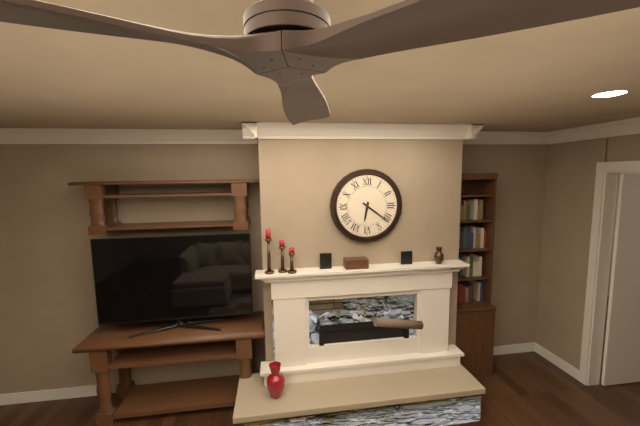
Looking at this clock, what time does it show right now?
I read 6:21
